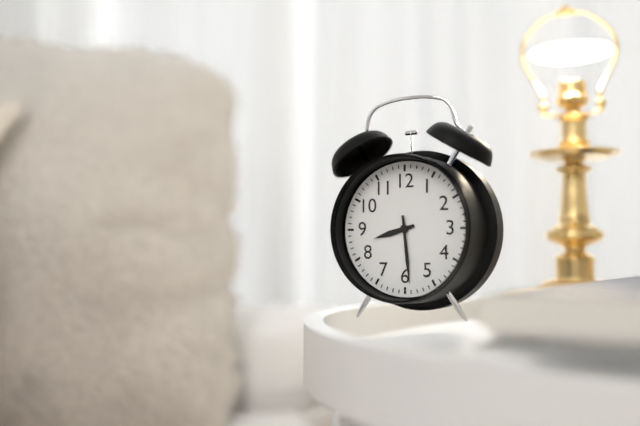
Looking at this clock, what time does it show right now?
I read 8:29
